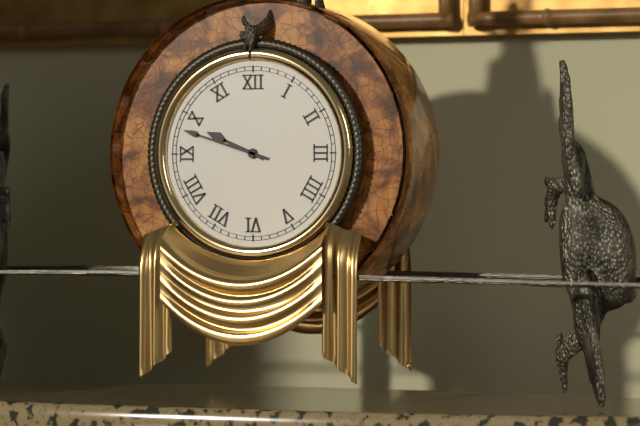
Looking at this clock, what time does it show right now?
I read 9:48
